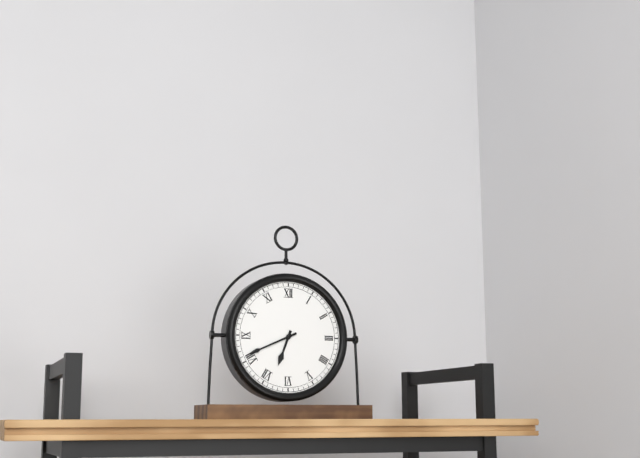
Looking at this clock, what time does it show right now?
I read 6:41
